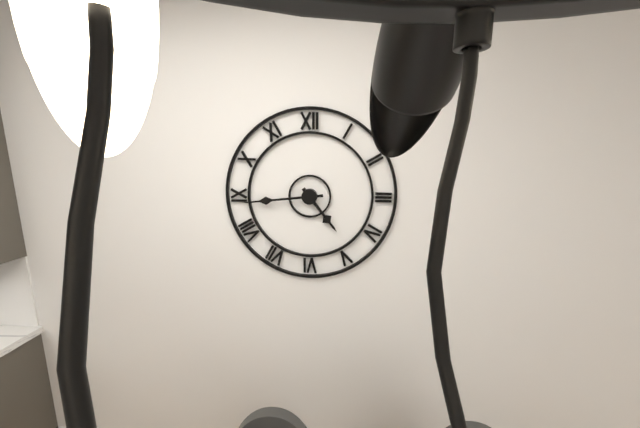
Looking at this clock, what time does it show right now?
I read 4:44
